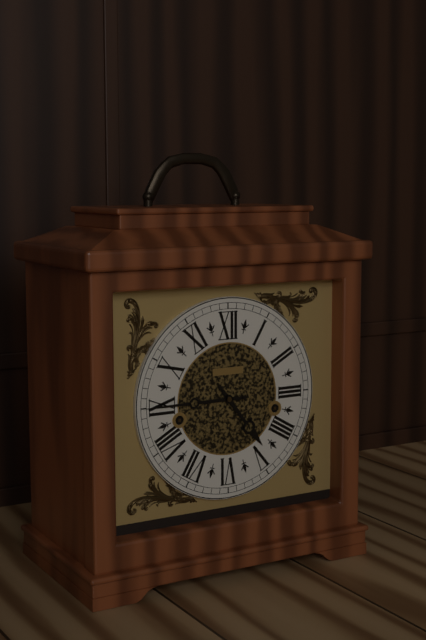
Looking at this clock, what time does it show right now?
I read 4:45
